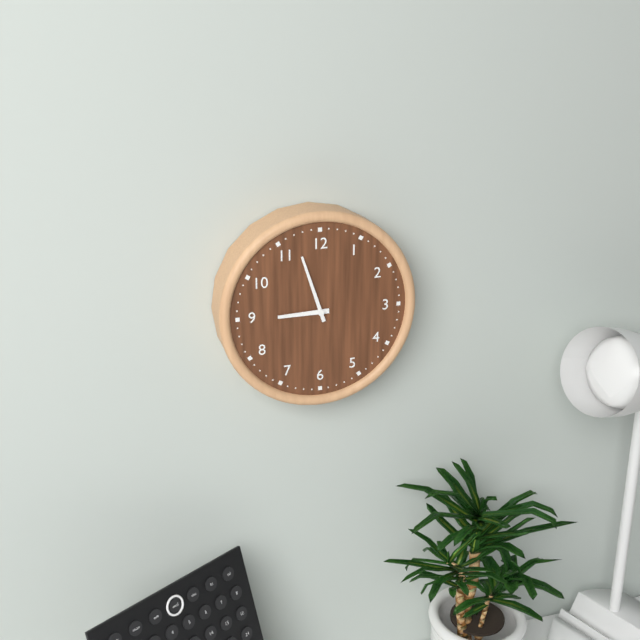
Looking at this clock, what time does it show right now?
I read 8:57
